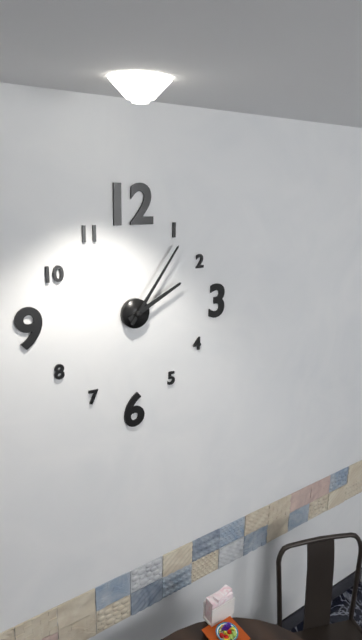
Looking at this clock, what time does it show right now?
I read 2:06
